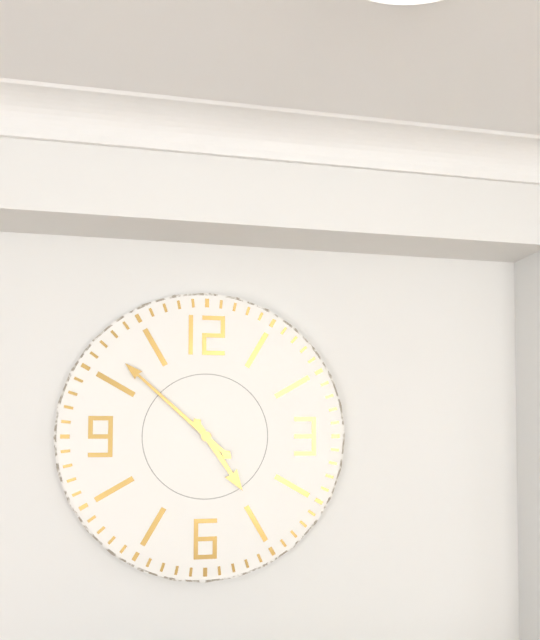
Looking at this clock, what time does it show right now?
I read 4:52
